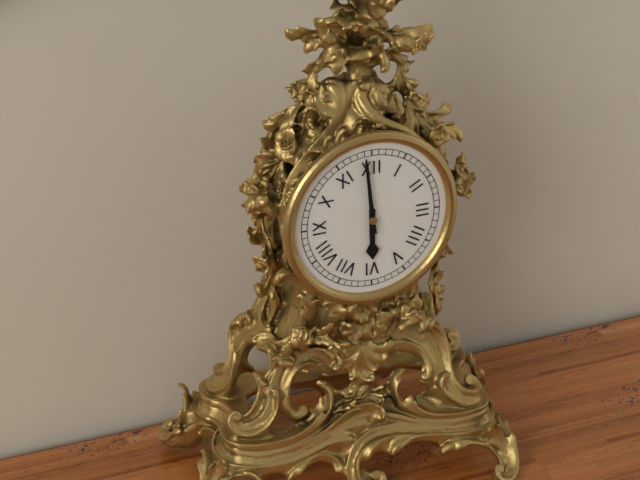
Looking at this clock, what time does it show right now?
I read 5:59
